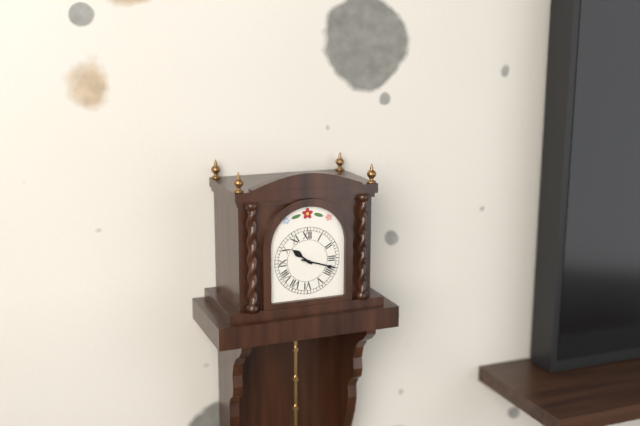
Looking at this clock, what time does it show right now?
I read 10:18
